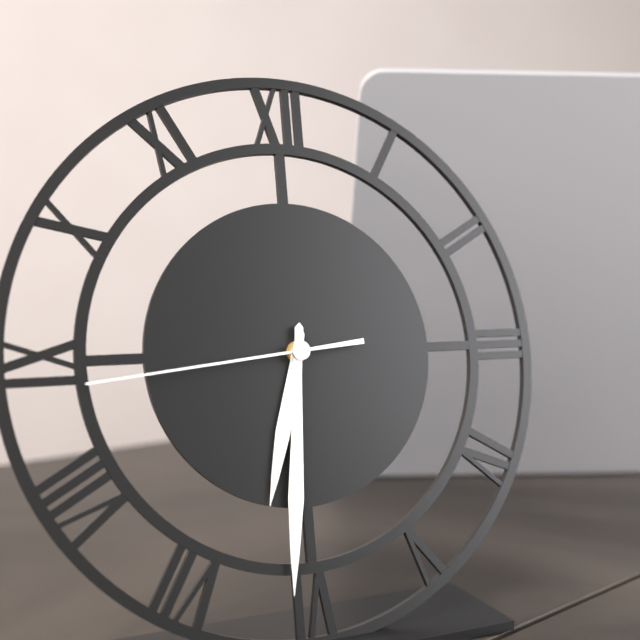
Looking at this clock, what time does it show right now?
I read 6:31:44
